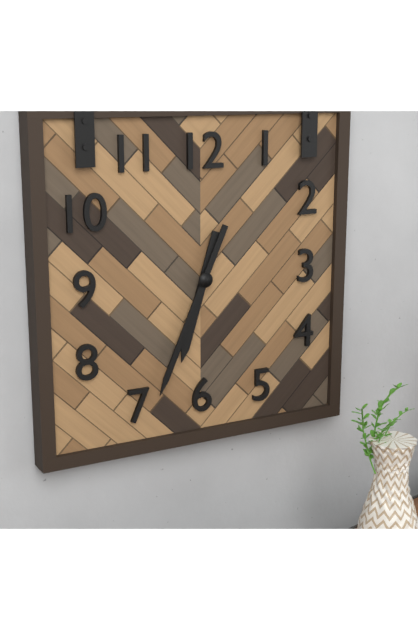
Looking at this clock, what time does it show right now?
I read 6:34
